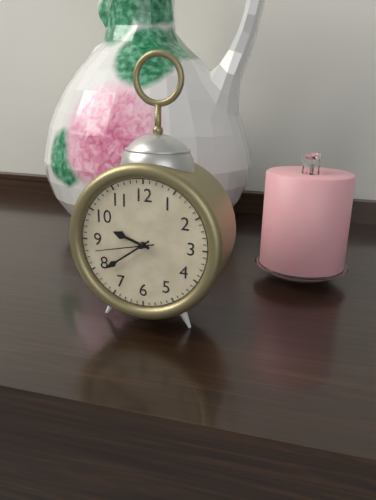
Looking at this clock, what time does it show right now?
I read 9:39:43
